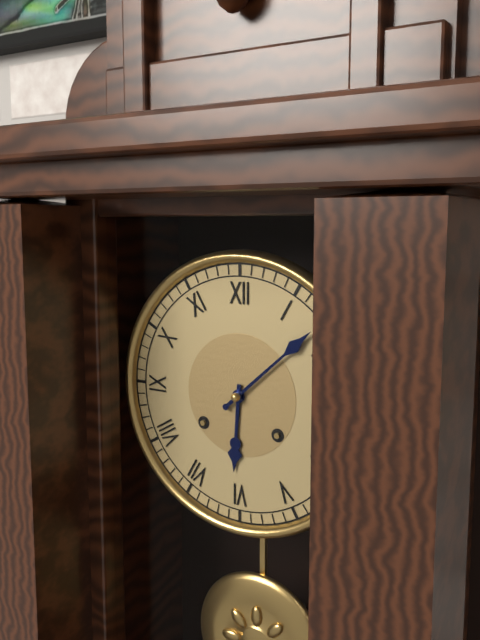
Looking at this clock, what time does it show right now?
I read 6:08
